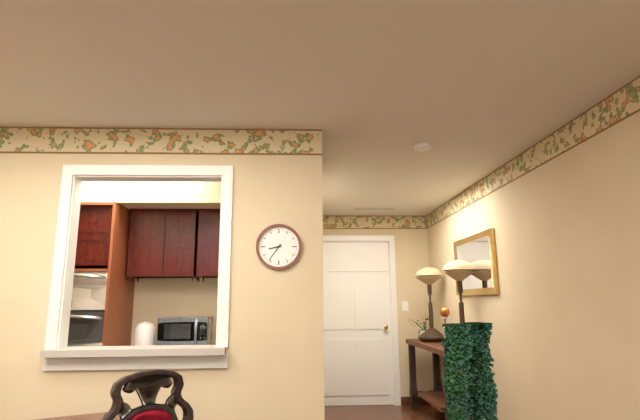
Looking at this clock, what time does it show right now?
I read 8:36
